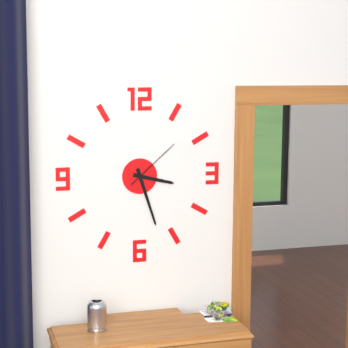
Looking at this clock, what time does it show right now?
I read 3:27:08
